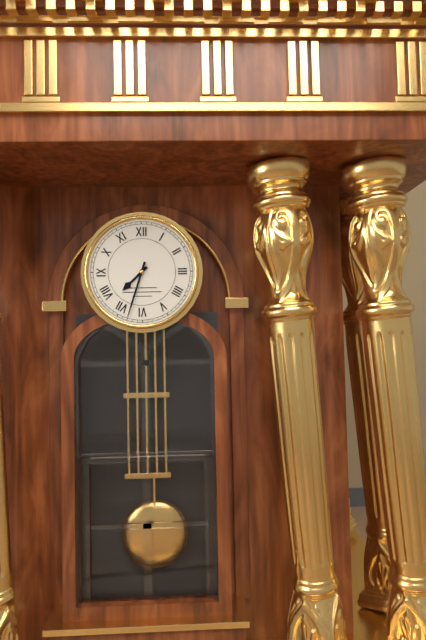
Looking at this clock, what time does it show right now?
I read 7:33
